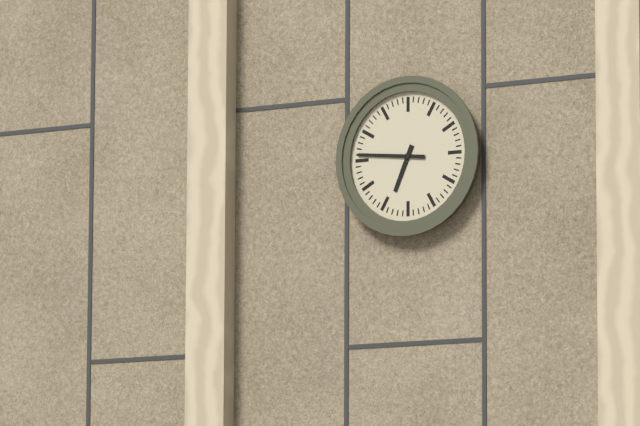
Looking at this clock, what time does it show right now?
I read 6:46
